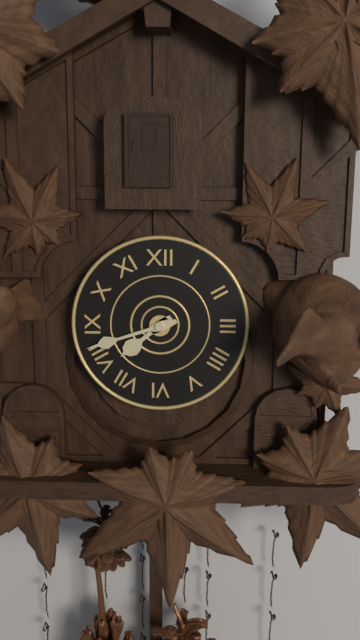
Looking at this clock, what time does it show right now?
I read 7:42
